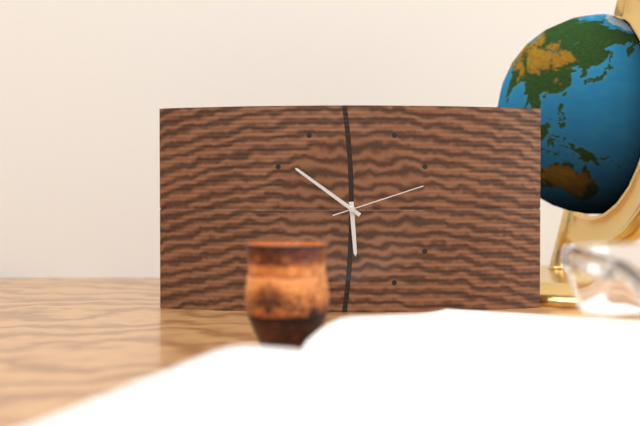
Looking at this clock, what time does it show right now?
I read 5:51:12
